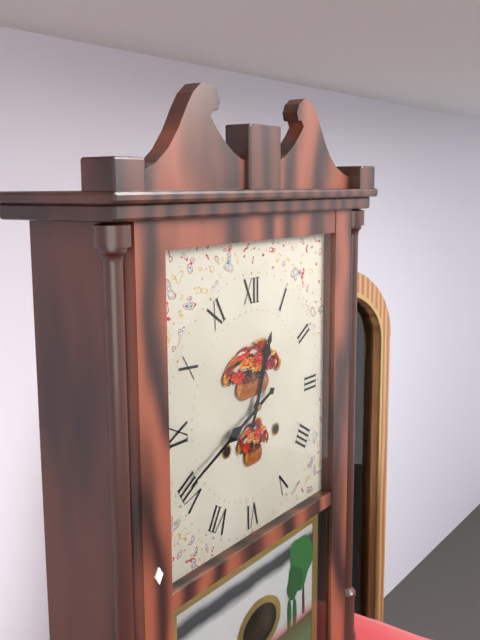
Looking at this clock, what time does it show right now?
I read 12:41
